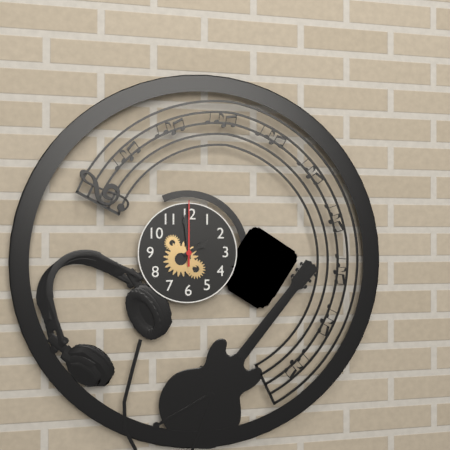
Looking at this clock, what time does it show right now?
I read 1:59:00
